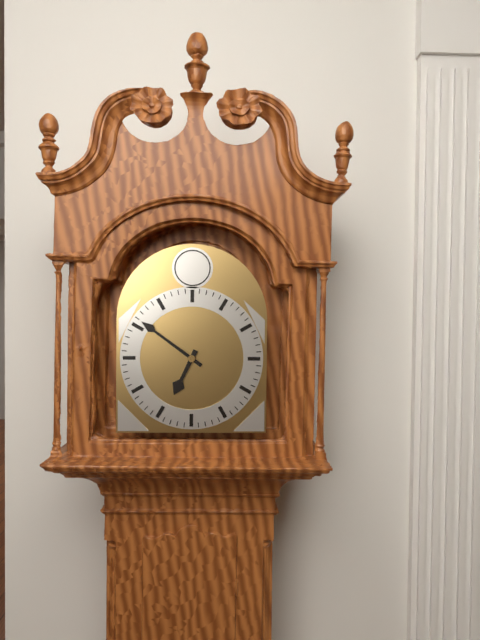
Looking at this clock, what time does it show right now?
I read 6:51
